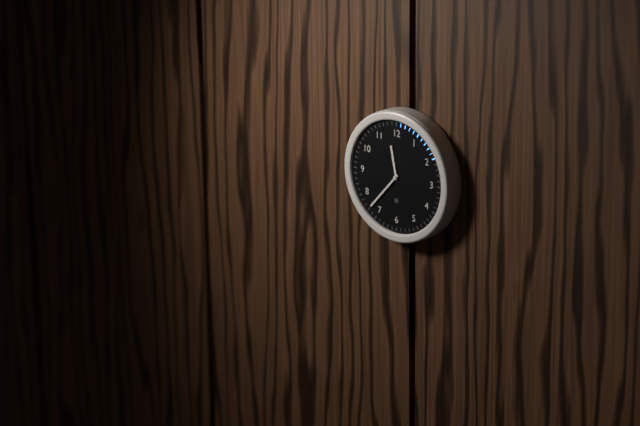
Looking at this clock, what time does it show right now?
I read 11:37
